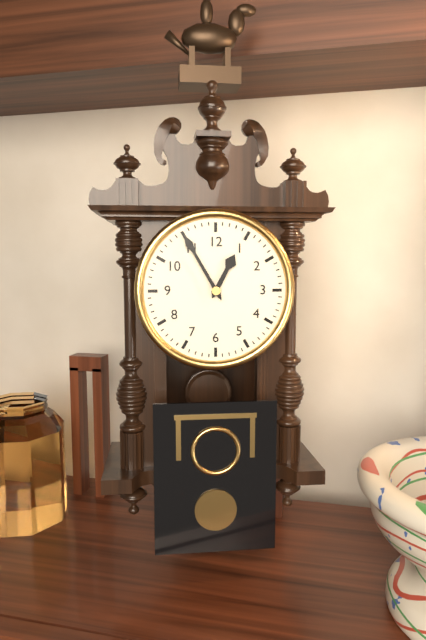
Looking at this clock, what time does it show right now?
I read 12:55
